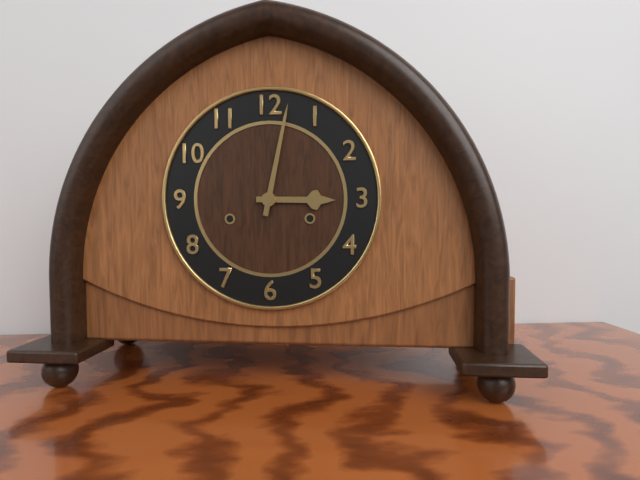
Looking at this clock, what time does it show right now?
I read 3:02
